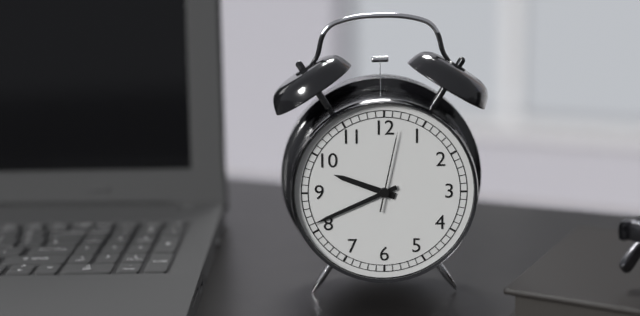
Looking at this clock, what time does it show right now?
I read 9:41:02
